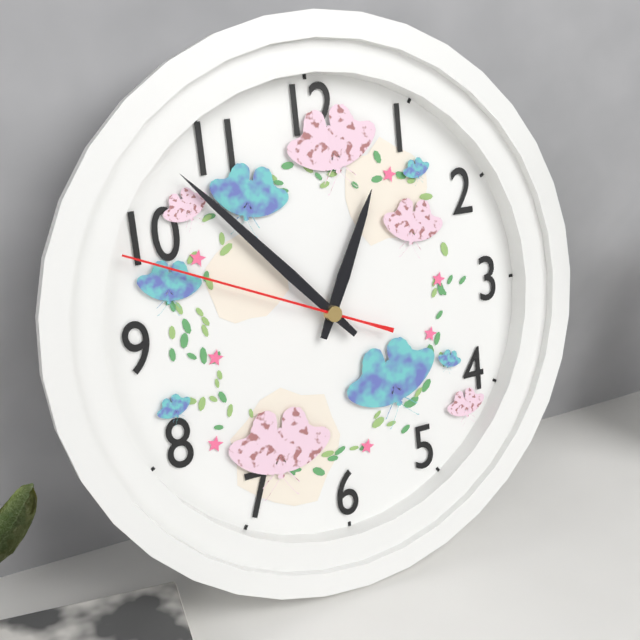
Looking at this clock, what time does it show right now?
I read 12:53:49
